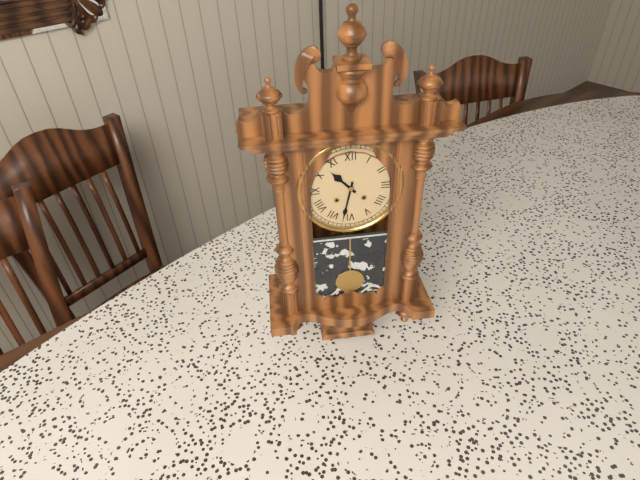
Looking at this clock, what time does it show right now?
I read 10:32
